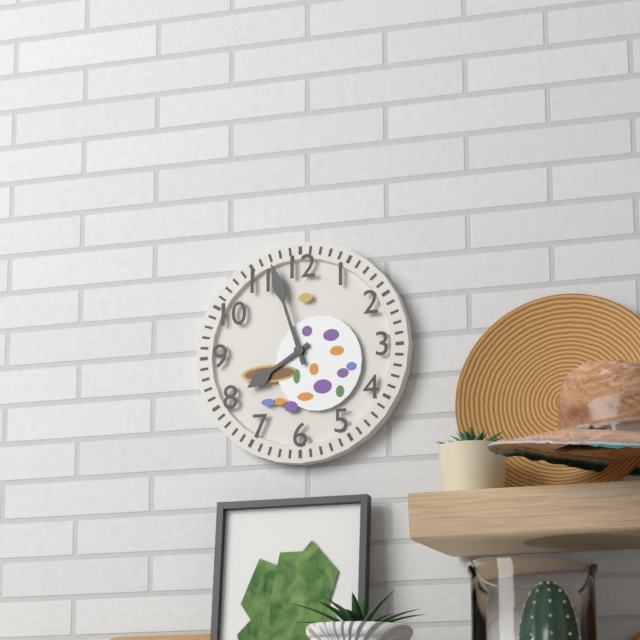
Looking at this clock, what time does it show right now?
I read 7:57
